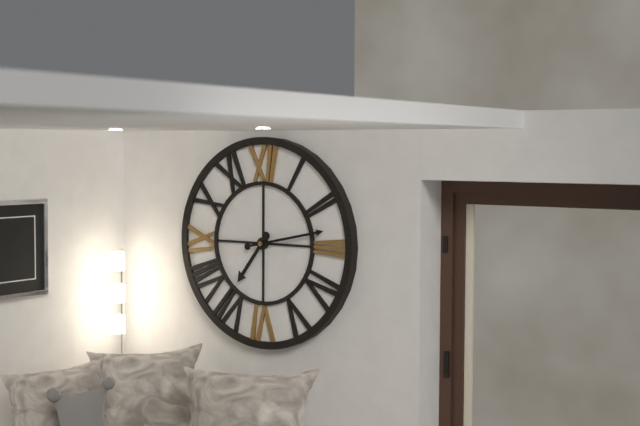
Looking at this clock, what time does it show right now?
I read 7:13
